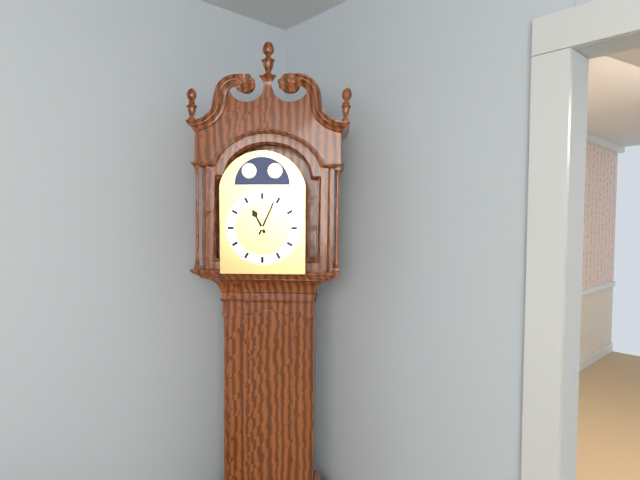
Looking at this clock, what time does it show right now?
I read 11:04
